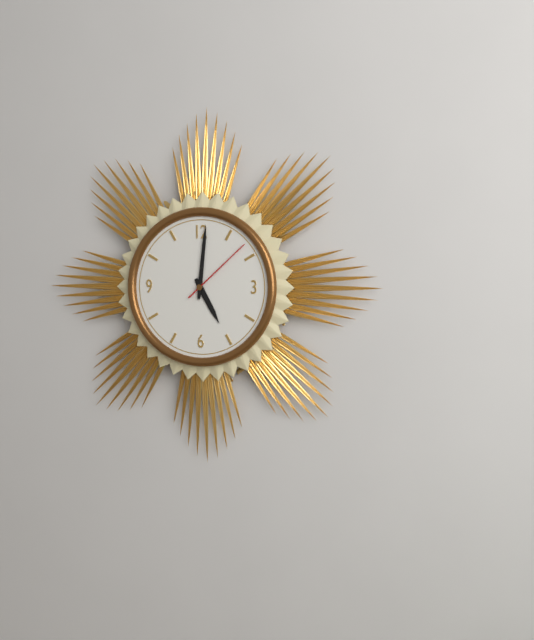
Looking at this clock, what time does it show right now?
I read 5:01:08
